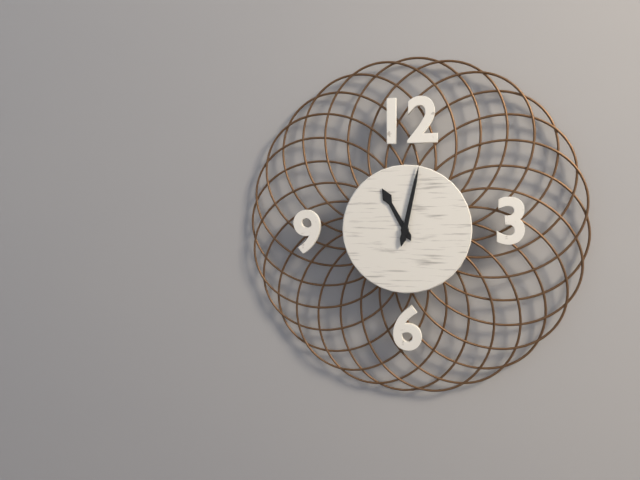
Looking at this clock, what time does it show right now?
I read 11:02
